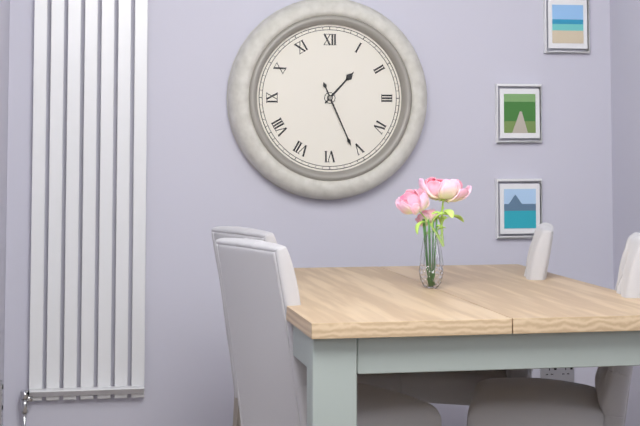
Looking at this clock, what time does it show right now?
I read 1:26
